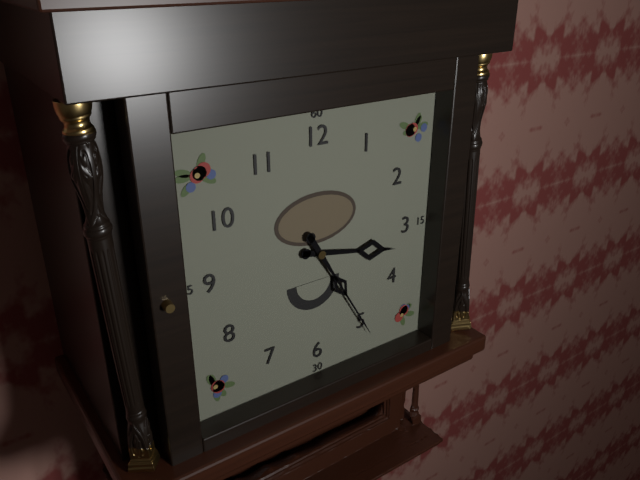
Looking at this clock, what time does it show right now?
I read 3:25
